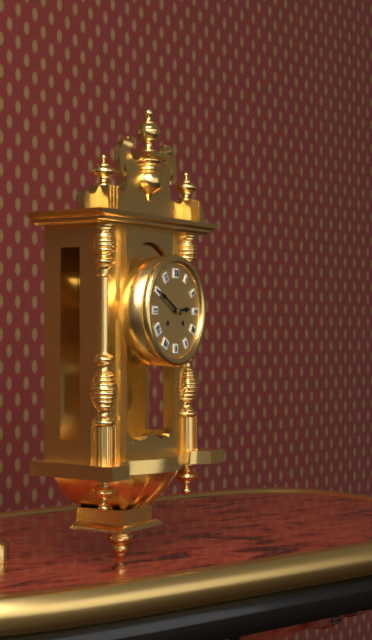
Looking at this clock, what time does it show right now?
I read 2:50
